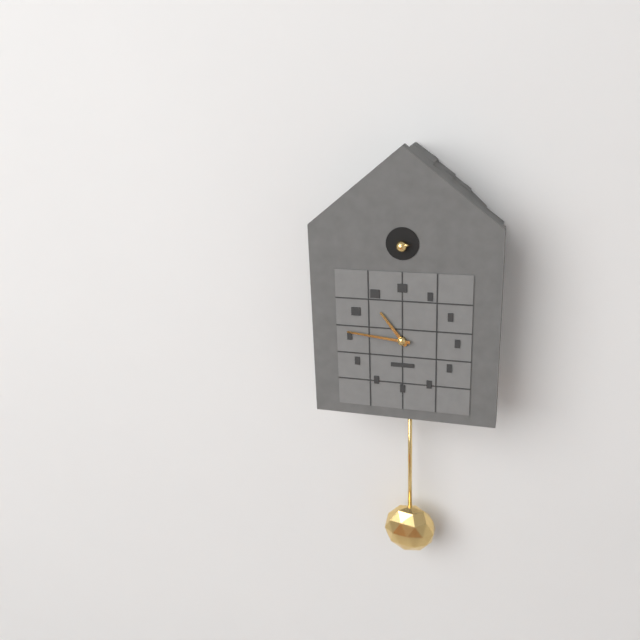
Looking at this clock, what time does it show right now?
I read 10:46
